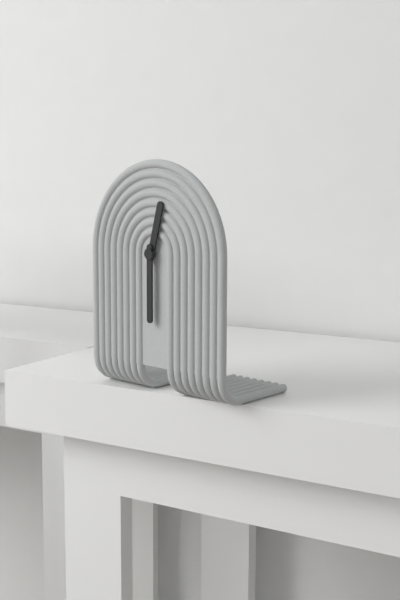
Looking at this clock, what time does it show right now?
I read 12:30
